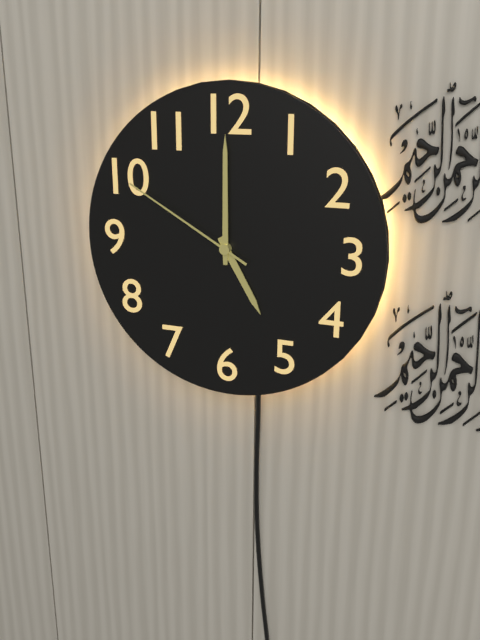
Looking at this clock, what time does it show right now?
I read 5:00:50
